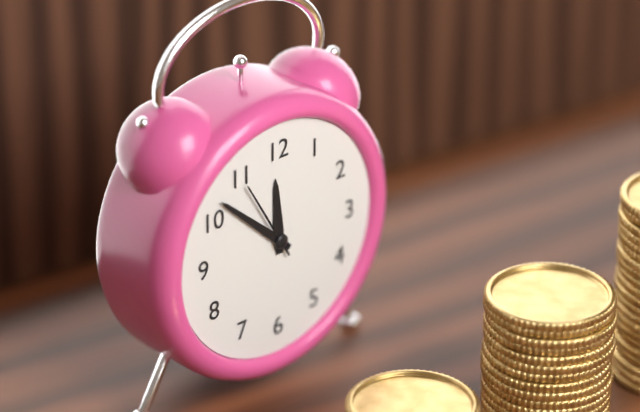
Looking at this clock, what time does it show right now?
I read 11:52:55
